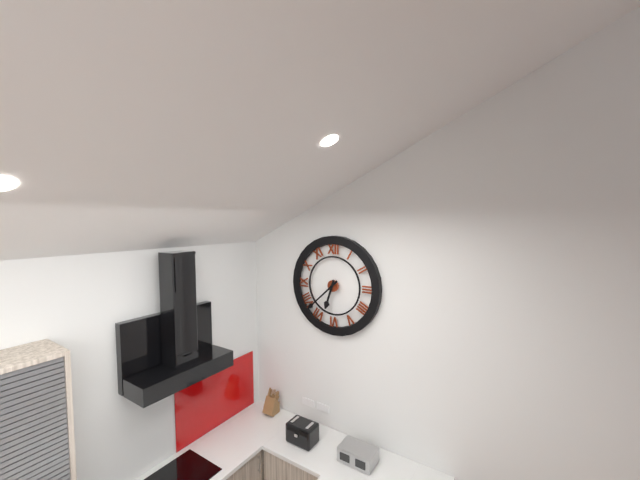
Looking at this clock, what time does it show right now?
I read 6:38
